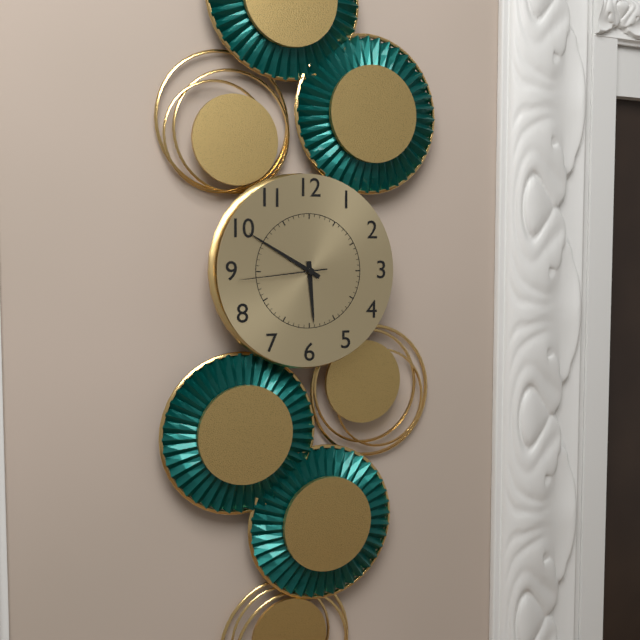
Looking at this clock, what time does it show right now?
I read 5:50:44
